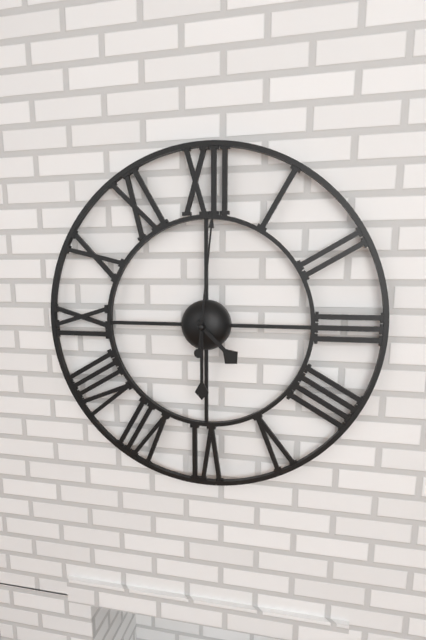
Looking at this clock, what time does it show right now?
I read 4:30:01
